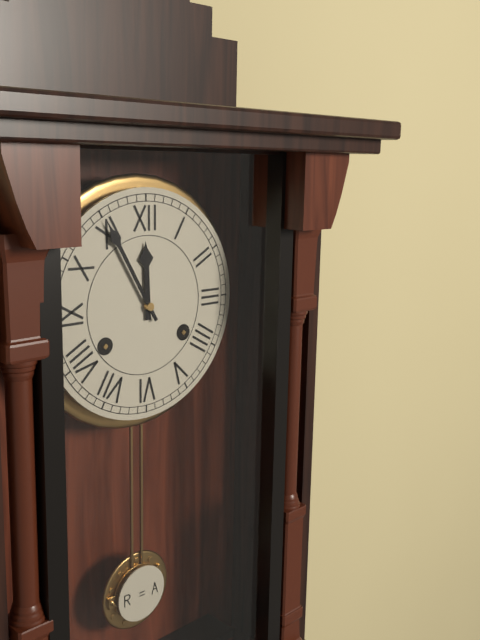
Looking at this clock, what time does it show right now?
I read 11:55
